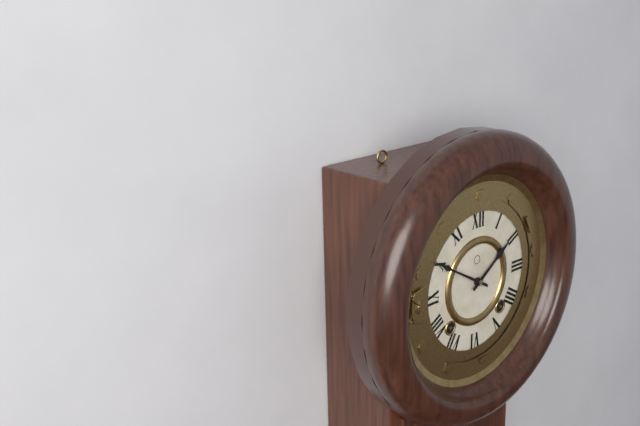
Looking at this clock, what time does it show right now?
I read 1:50
